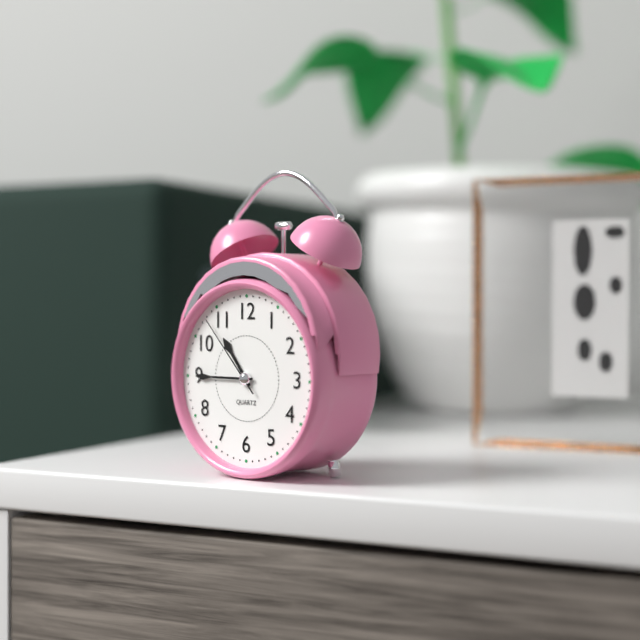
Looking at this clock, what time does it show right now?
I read 10:45:53
